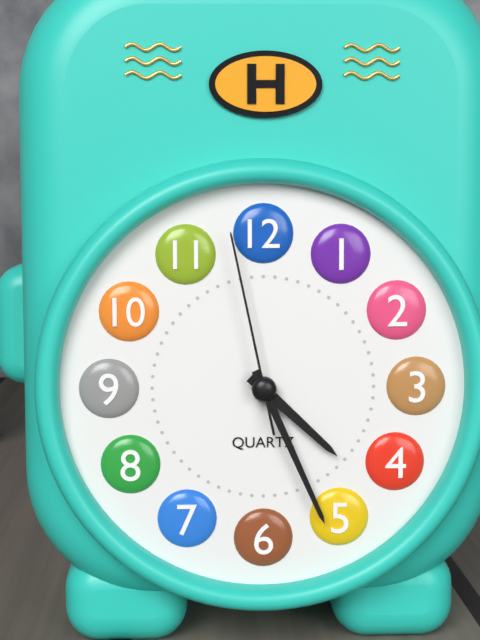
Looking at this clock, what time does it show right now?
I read 4:26:58
